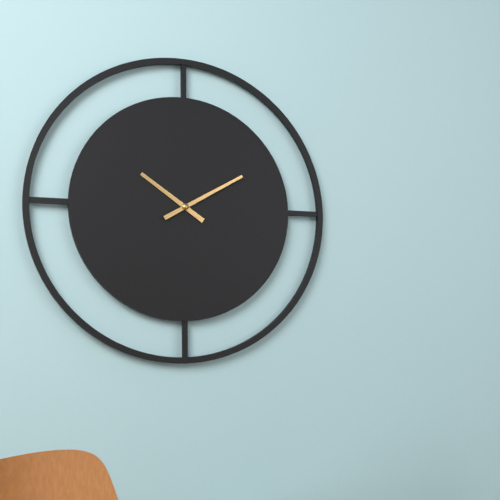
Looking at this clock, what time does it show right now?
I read 10:10
